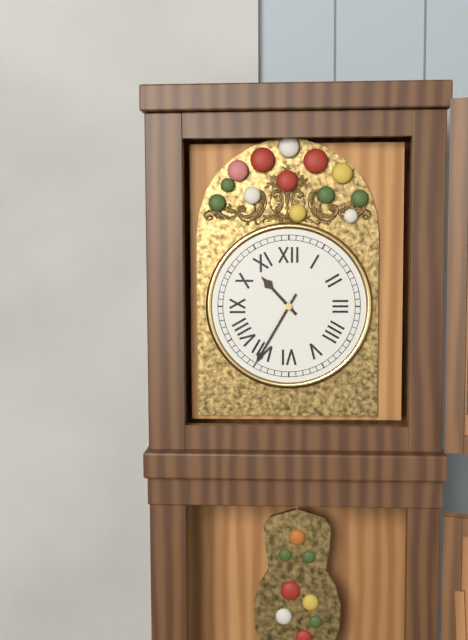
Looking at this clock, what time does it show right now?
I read 10:35
